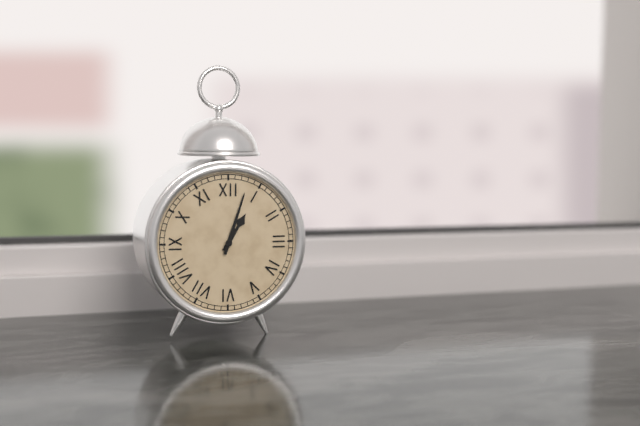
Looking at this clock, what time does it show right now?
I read 1:03
